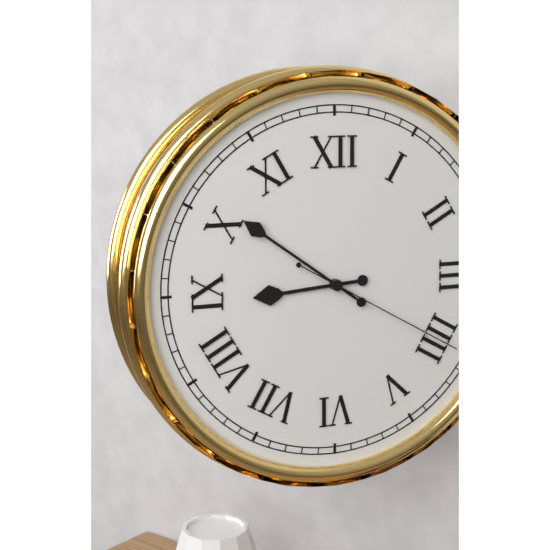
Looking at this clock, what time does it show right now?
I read 8:51:20
